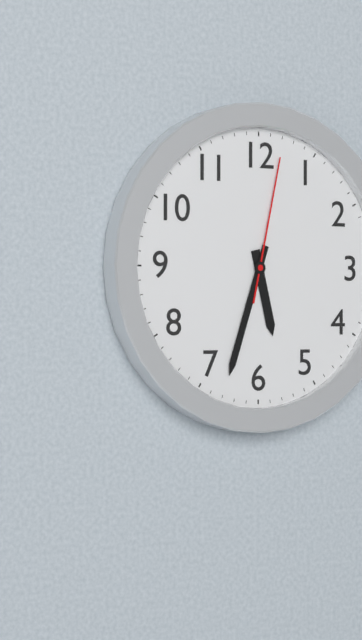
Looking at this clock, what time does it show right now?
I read 5:33:02
